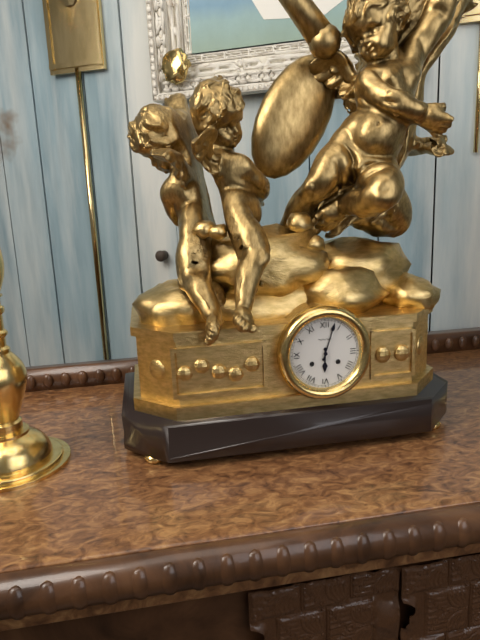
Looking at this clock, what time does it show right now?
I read 6:03
